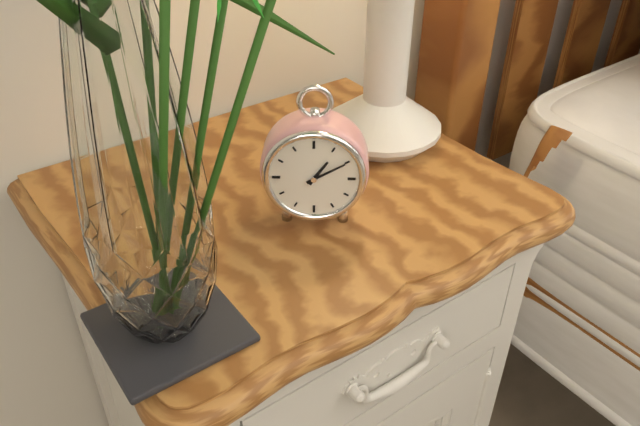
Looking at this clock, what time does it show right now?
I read 1:10
